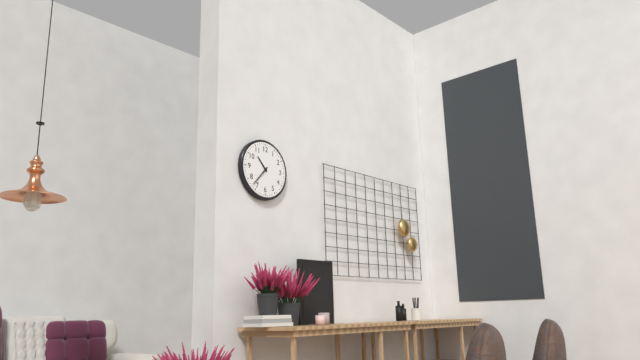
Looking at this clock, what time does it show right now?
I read 10:37
